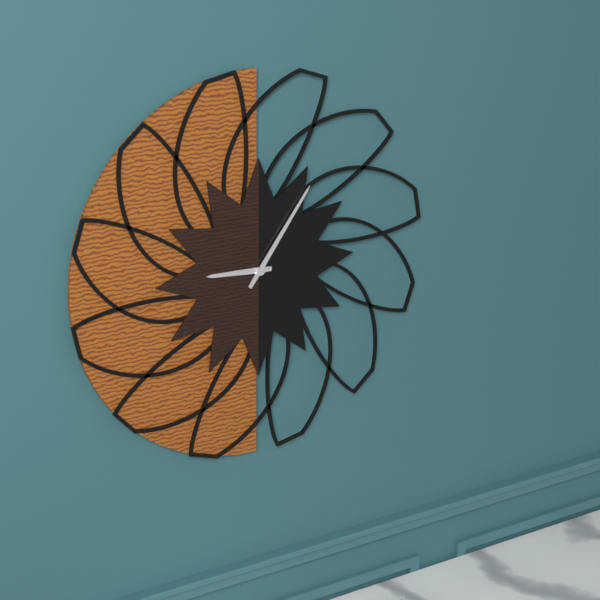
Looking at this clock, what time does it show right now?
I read 9:06
